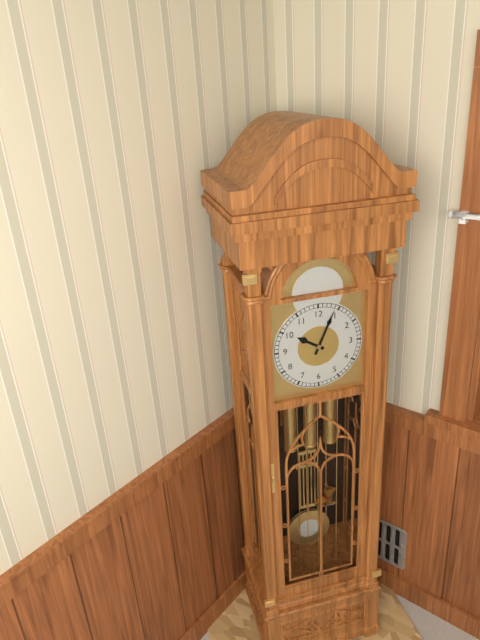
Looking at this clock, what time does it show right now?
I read 10:04
